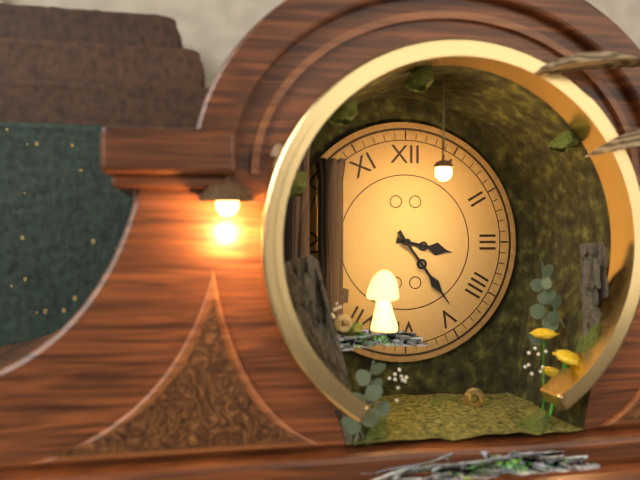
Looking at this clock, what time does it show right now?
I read 3:24
